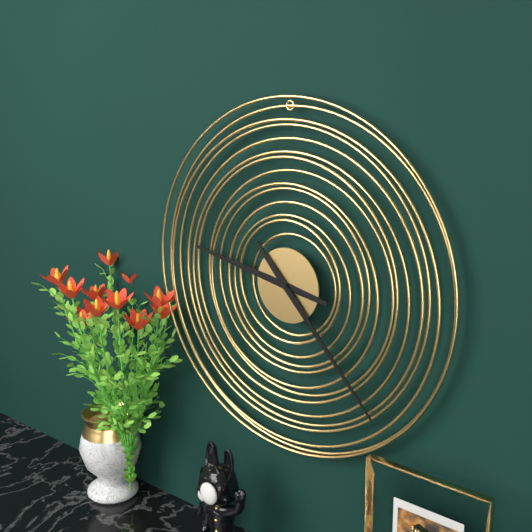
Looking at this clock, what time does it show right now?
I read 9:23
